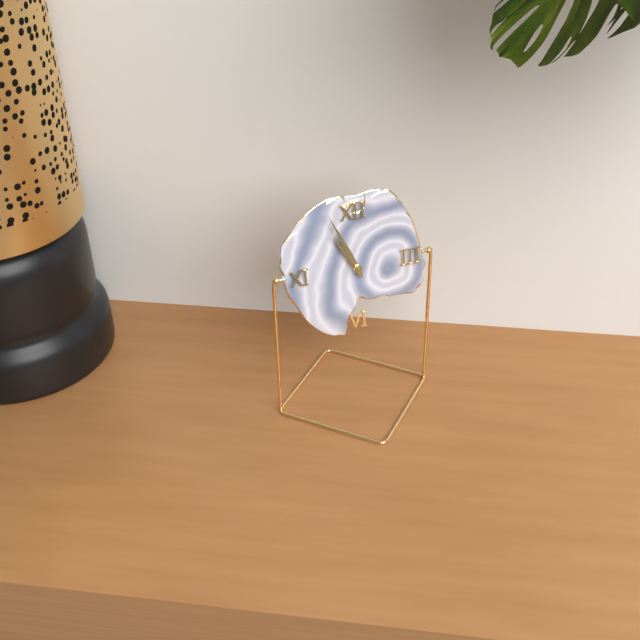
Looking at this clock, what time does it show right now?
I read 10:56
